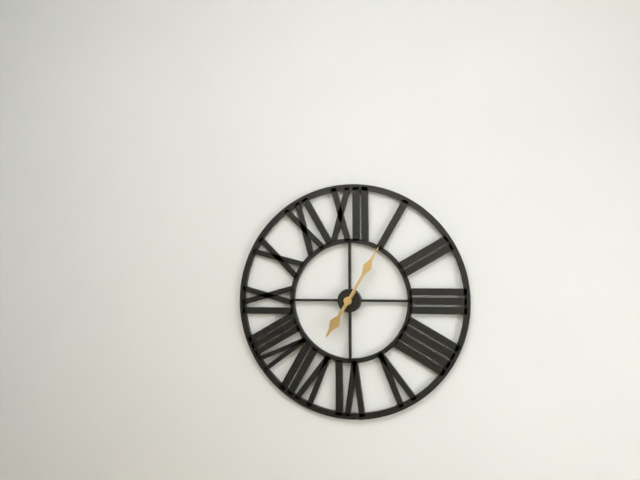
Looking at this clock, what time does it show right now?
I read 7:05
